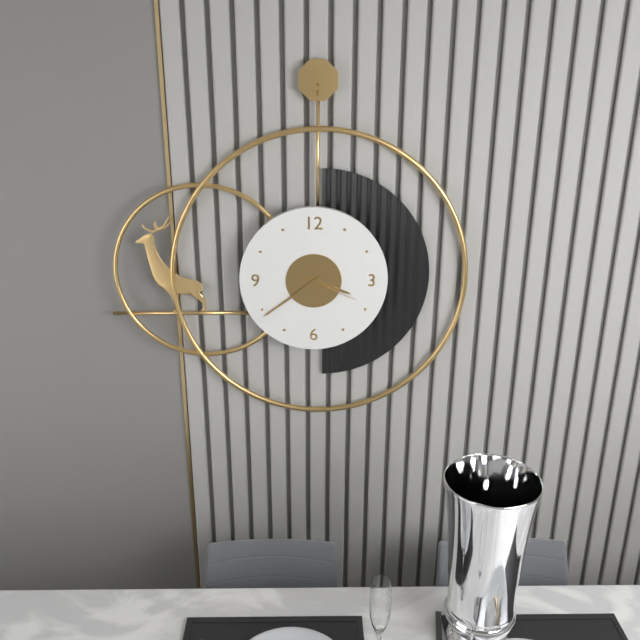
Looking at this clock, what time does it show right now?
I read 3:39:19
